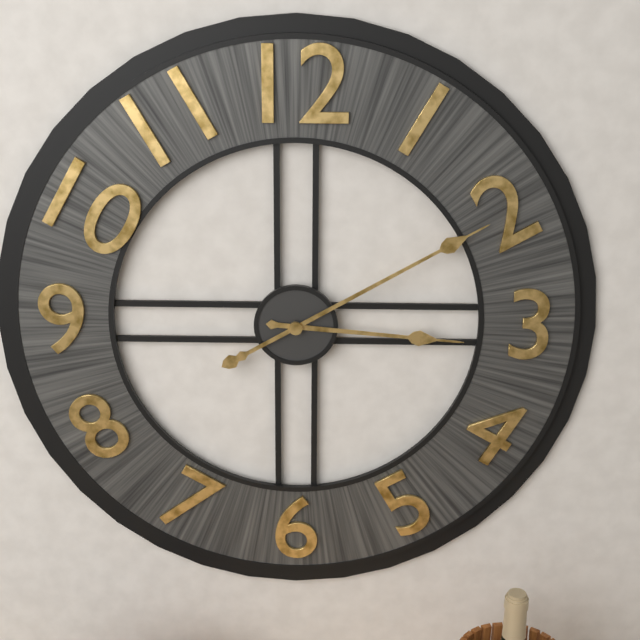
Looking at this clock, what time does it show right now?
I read 3:10
